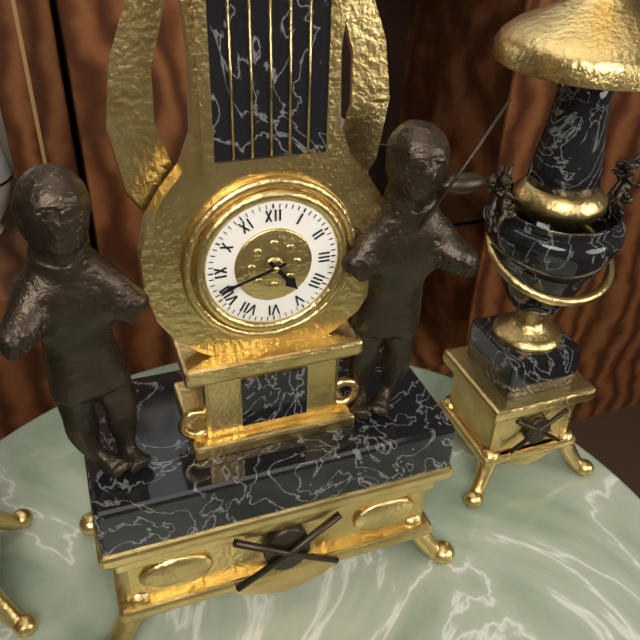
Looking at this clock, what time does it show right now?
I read 4:42
